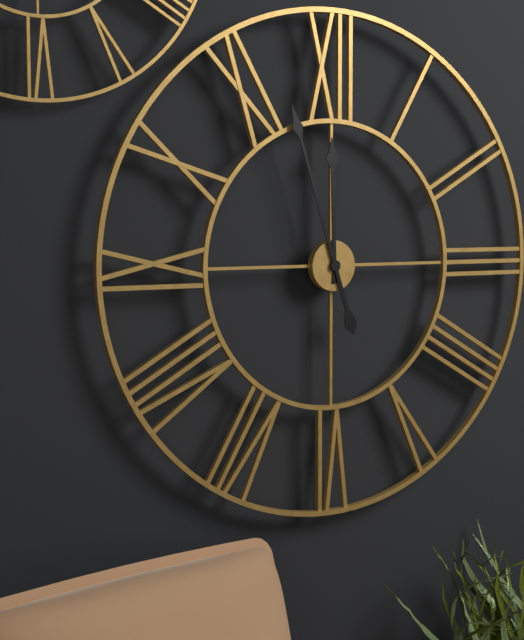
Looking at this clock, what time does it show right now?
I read 11:57
